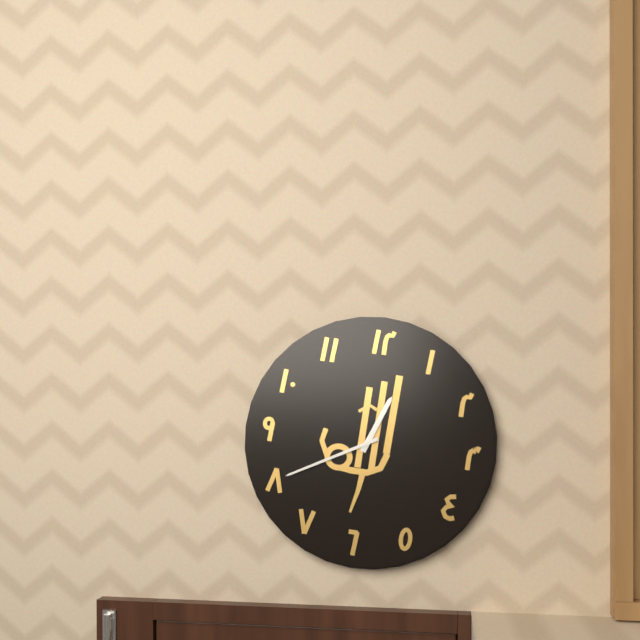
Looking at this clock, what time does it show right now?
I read 12:40
